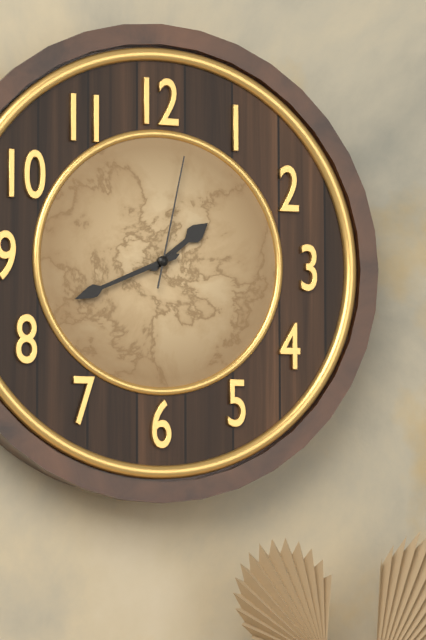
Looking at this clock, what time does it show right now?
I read 1:41:02
